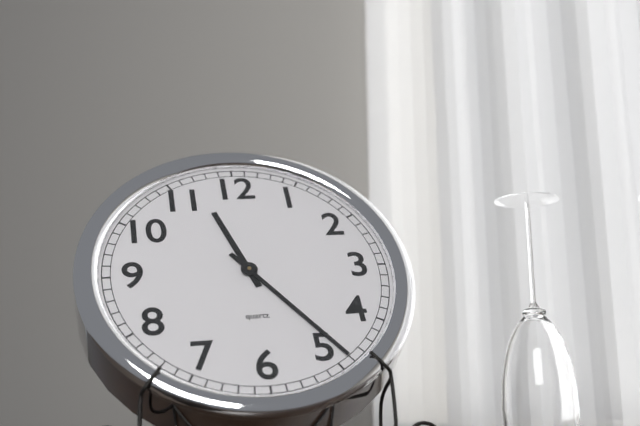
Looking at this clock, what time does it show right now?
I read 11:24
